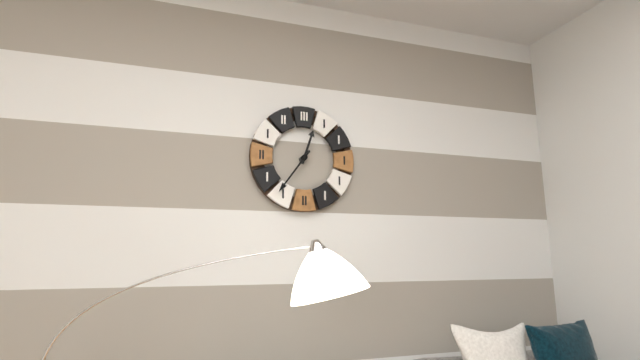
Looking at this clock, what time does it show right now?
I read 12:36
